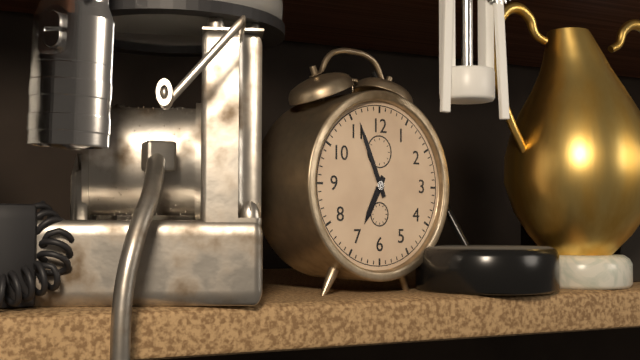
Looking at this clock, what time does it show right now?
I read 6:56
